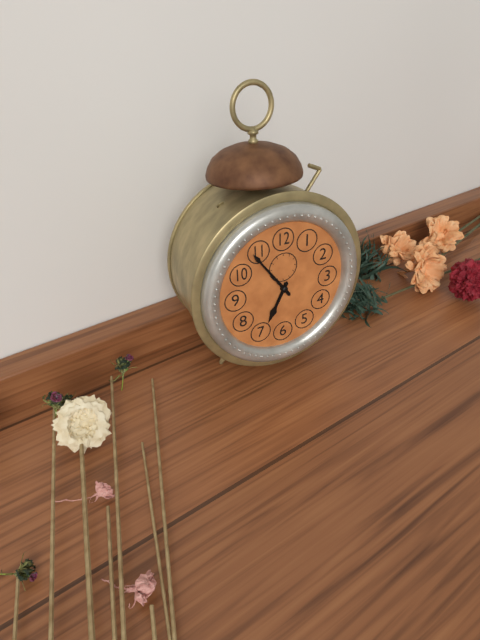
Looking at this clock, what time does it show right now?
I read 6:54
